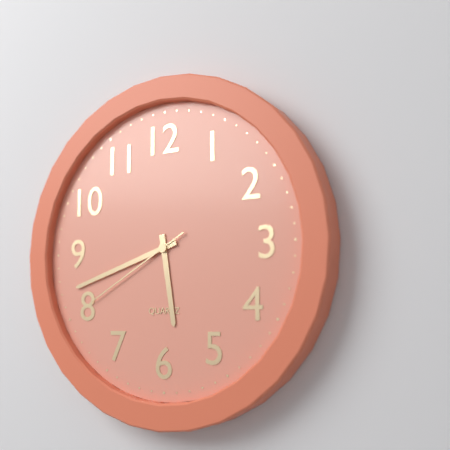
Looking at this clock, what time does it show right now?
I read 5:42:40
